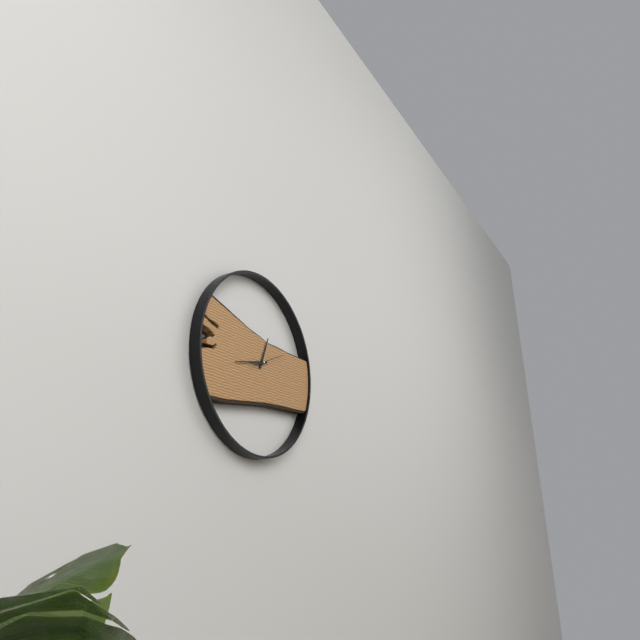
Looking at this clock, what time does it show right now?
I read 12:43
